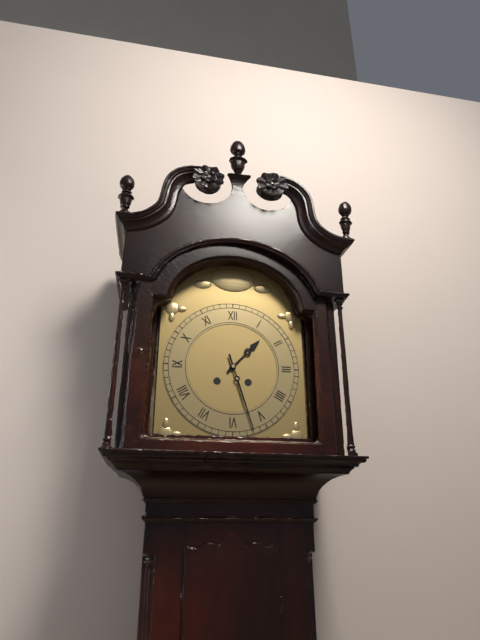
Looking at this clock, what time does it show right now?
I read 1:27
